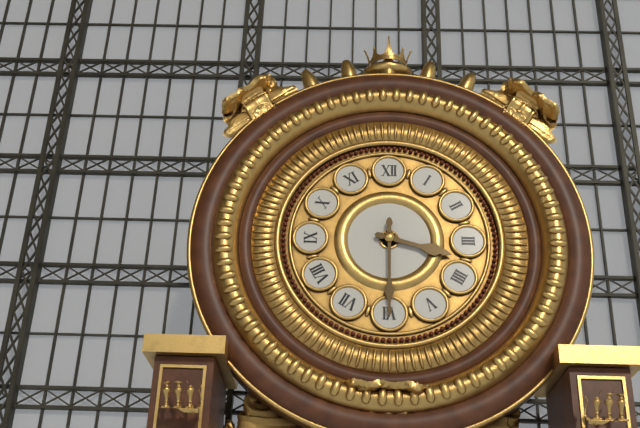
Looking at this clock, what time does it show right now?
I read 3:30
